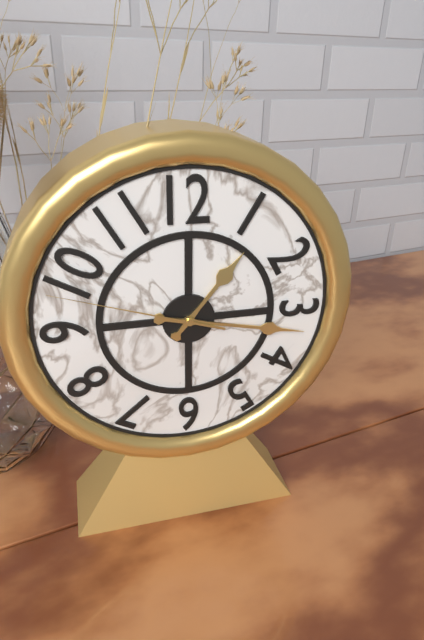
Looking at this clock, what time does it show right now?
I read 1:17:48
